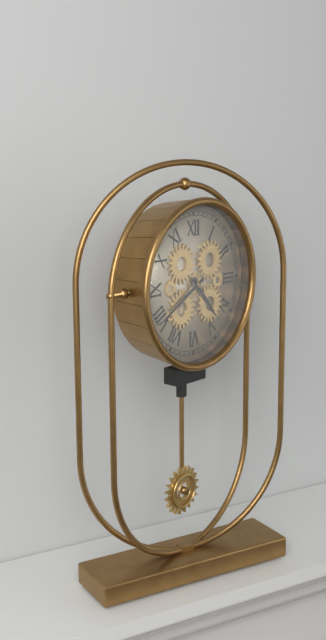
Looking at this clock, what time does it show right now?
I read 4:40
